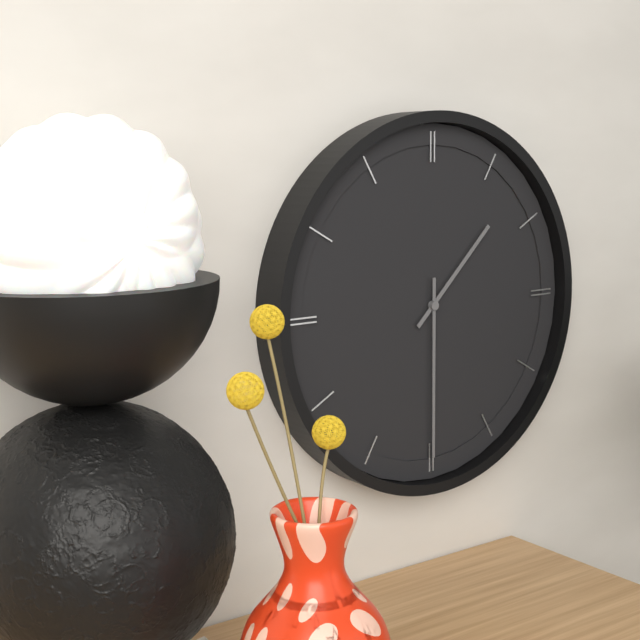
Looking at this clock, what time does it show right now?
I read 1:30
